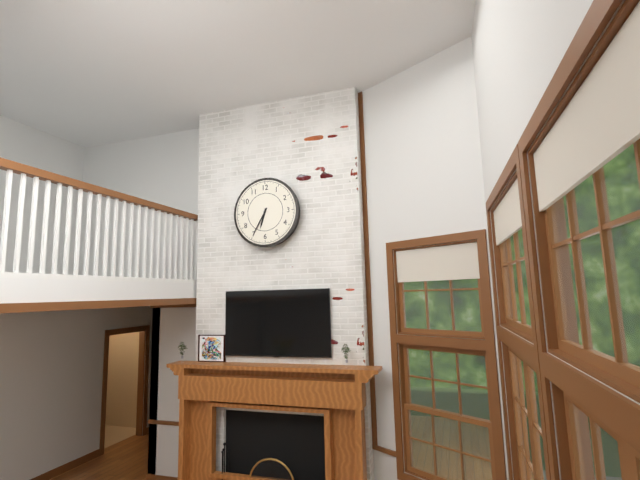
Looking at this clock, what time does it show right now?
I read 6:35
